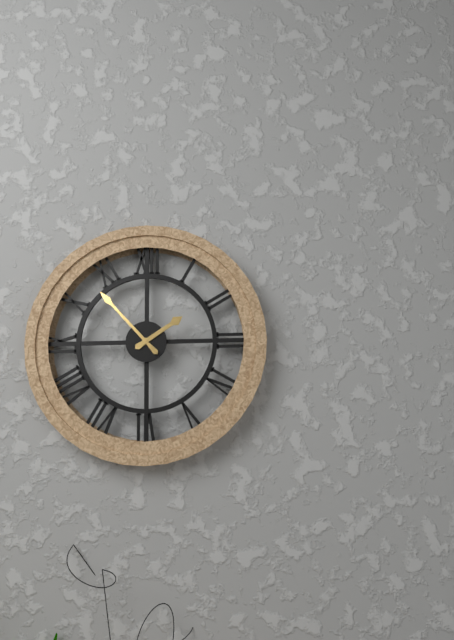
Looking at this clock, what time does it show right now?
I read 1:53
